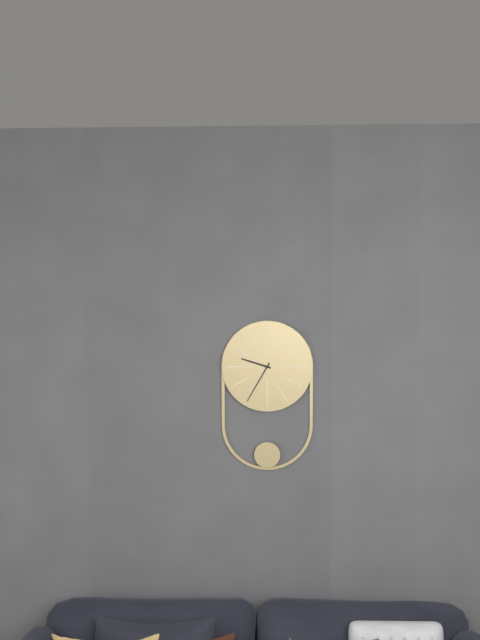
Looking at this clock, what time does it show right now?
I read 9:35
